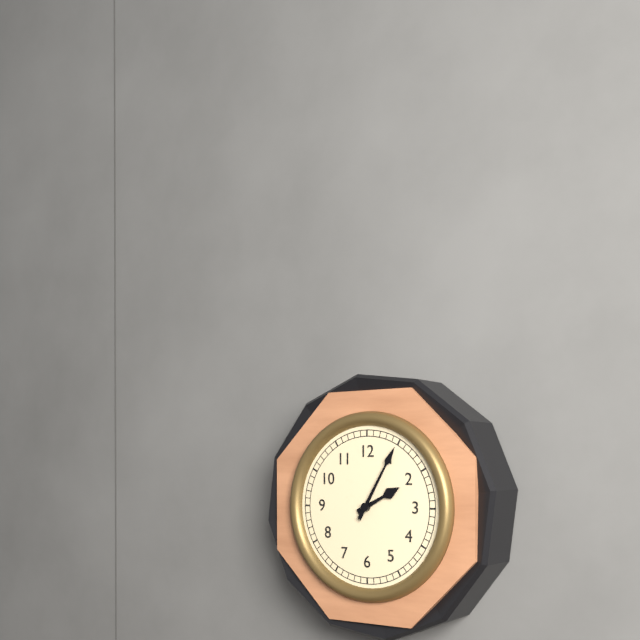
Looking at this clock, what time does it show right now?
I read 2:05
